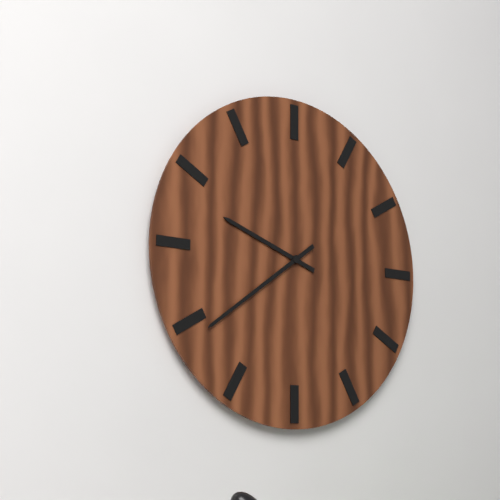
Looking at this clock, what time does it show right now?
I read 9:39
